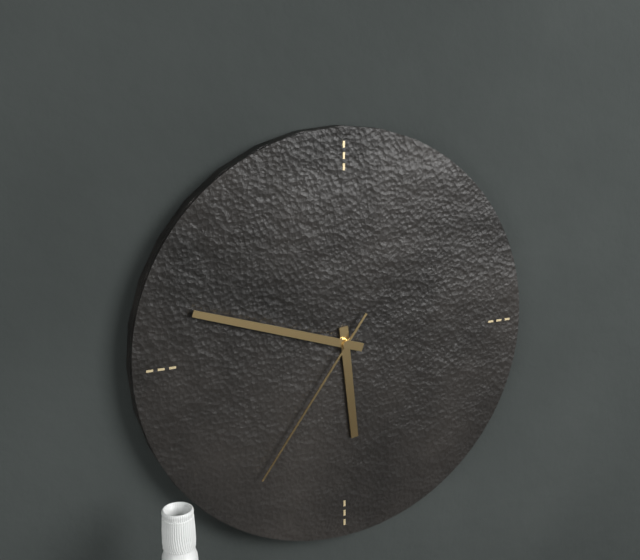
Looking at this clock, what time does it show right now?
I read 5:48:36
